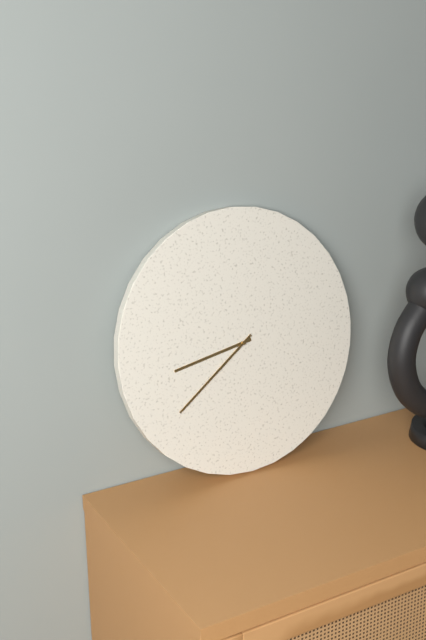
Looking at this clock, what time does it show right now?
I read 8:39
